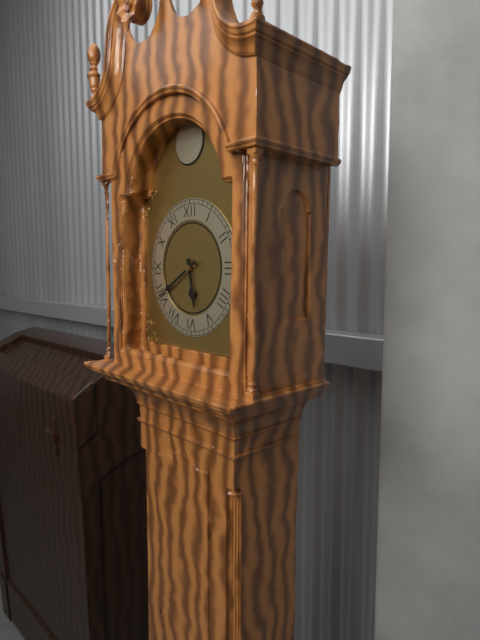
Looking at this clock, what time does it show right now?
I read 5:40
